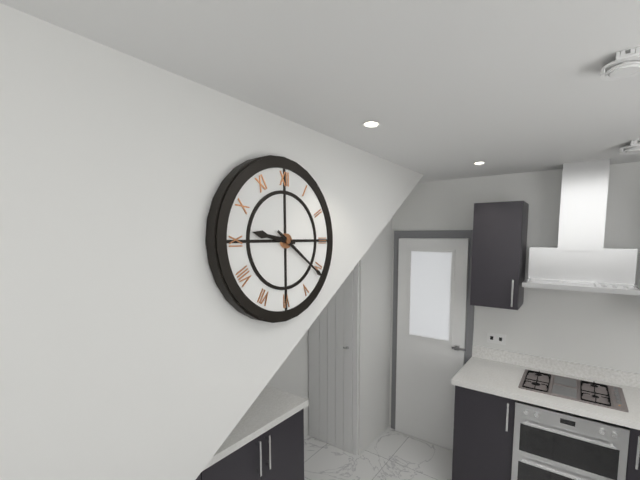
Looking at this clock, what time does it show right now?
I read 9:21
